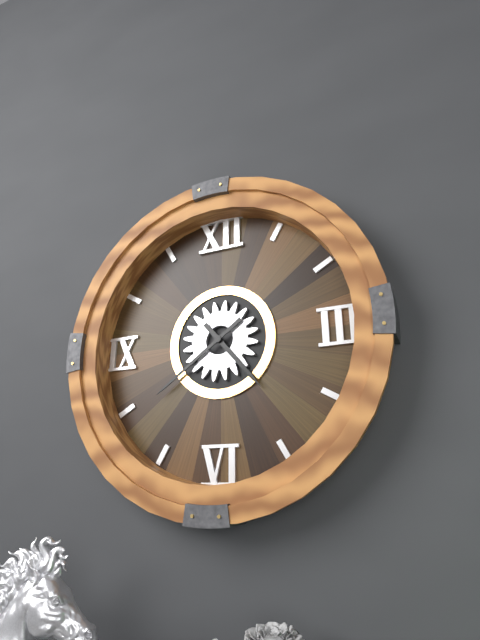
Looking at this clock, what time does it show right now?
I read 4:39
